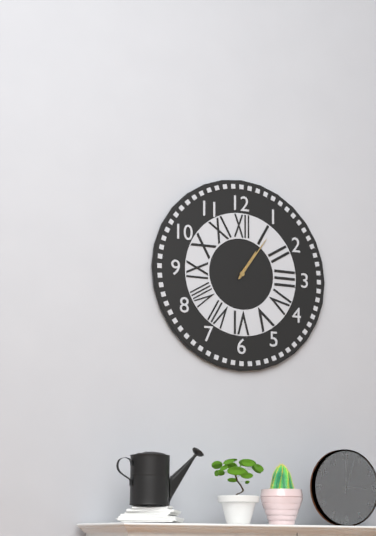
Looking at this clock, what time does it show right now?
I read 1:06
